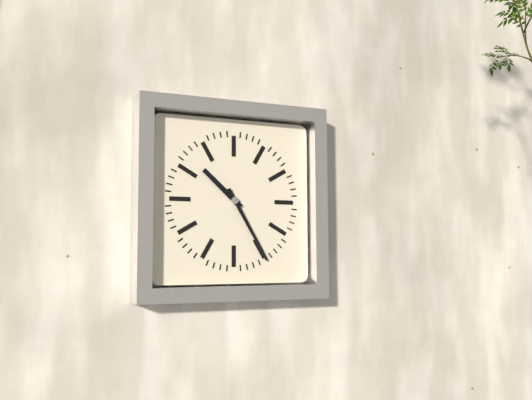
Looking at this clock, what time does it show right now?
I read 10:25
